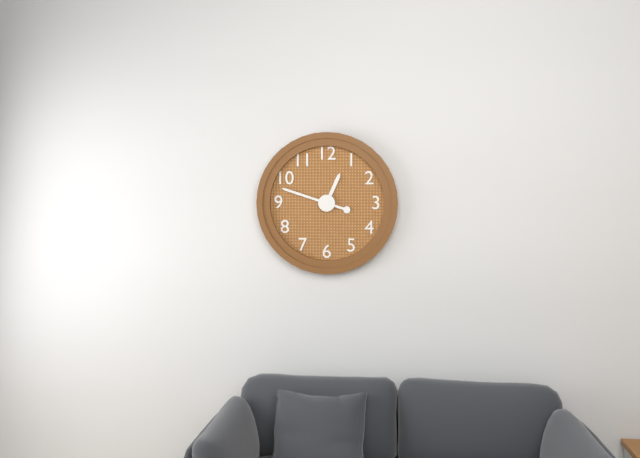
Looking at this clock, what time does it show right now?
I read 12:48
